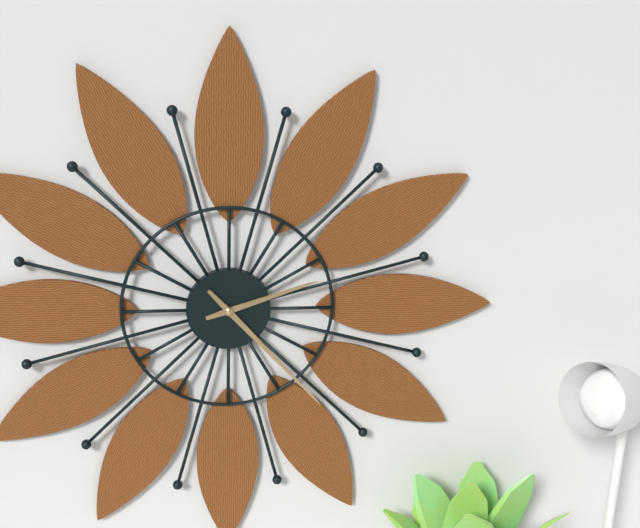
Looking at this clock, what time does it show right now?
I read 2:23
